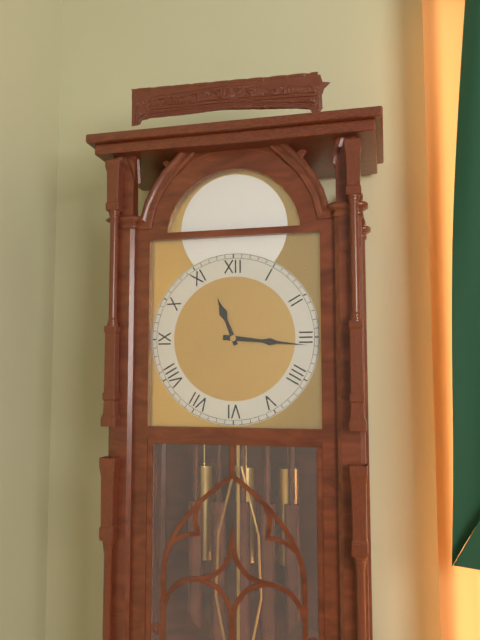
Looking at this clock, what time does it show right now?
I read 11:16
